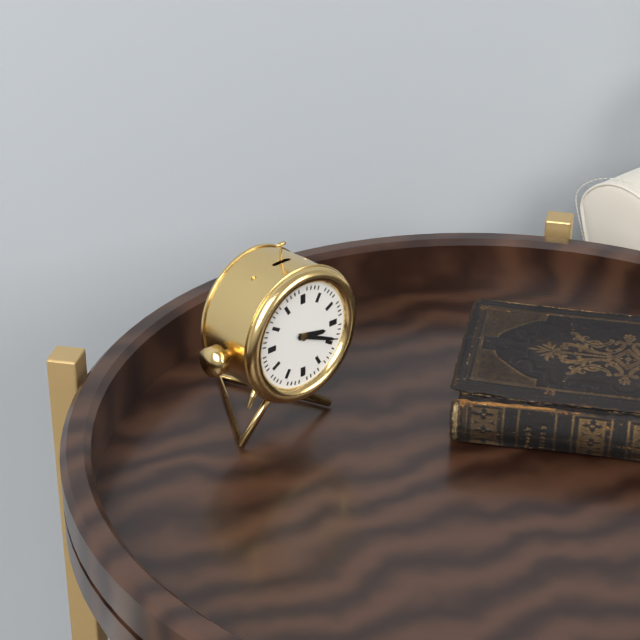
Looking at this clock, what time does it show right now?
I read 3:19
